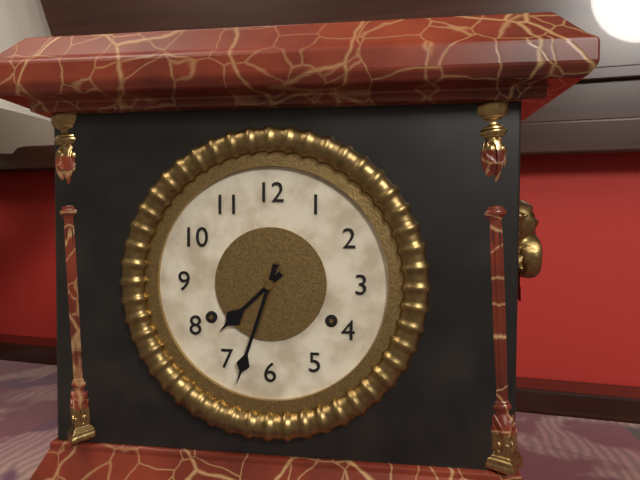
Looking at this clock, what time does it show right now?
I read 7:33
